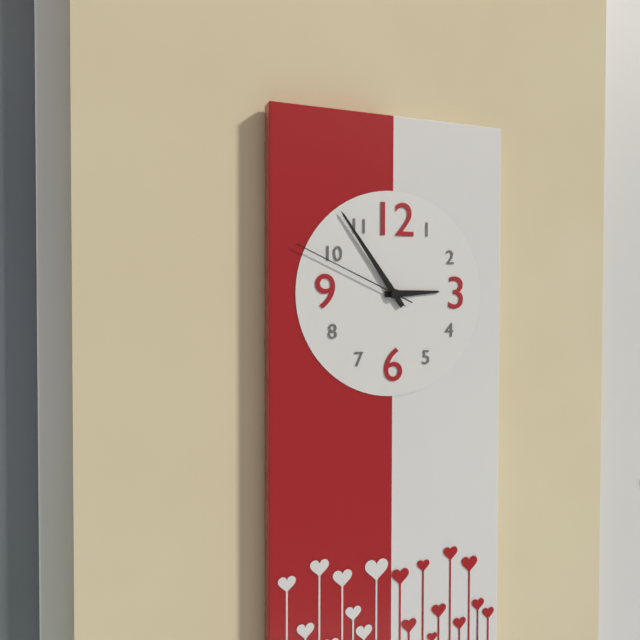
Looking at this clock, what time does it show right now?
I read 2:54:49
